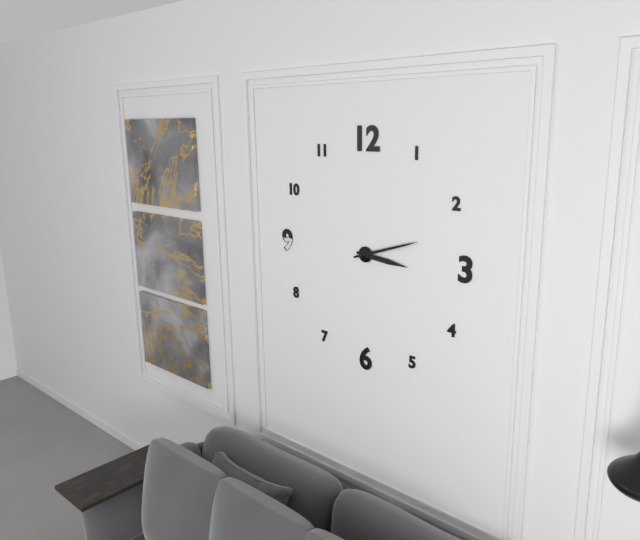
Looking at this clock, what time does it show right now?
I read 3:12
